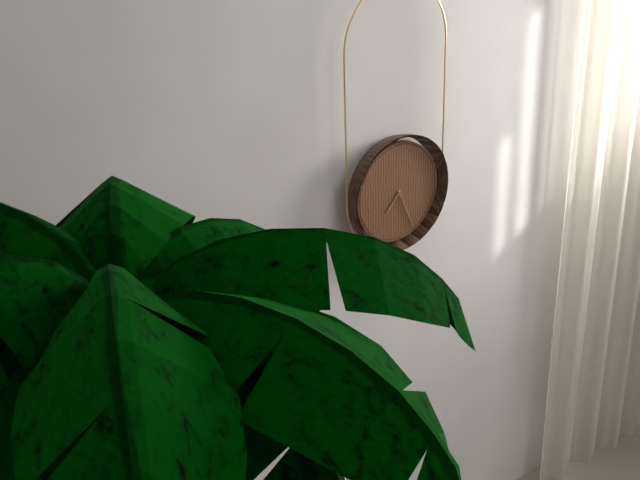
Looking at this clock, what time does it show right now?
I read 7:26
